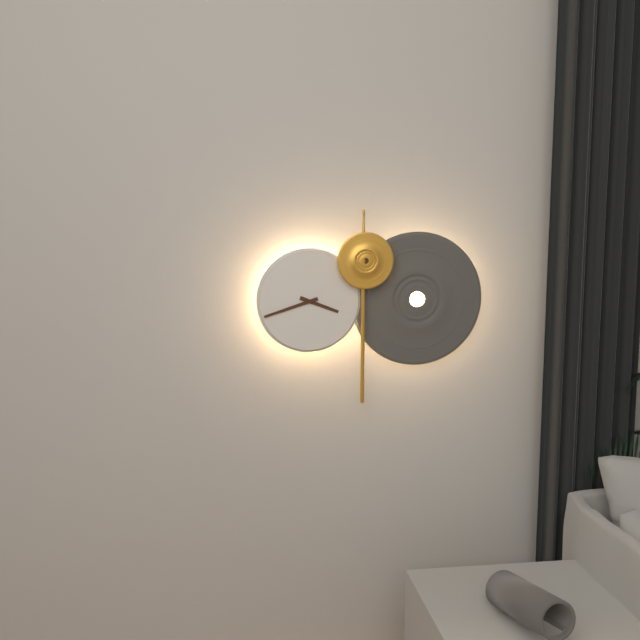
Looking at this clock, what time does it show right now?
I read 3:42
